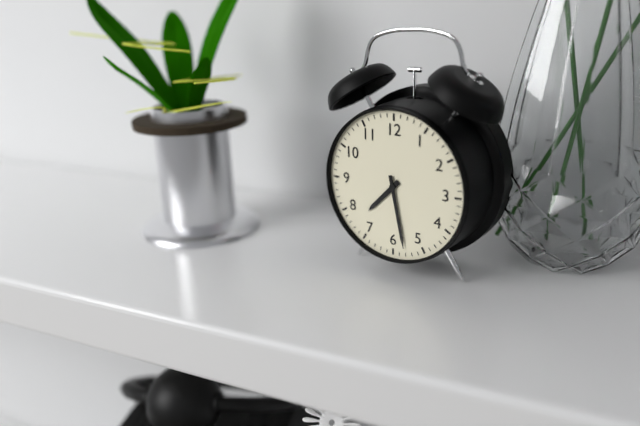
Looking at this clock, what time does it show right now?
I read 7:28
